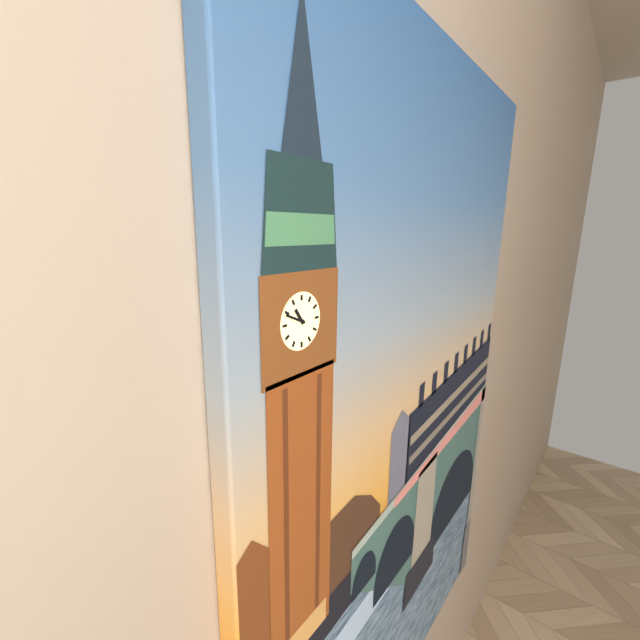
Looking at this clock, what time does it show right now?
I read 10:49
